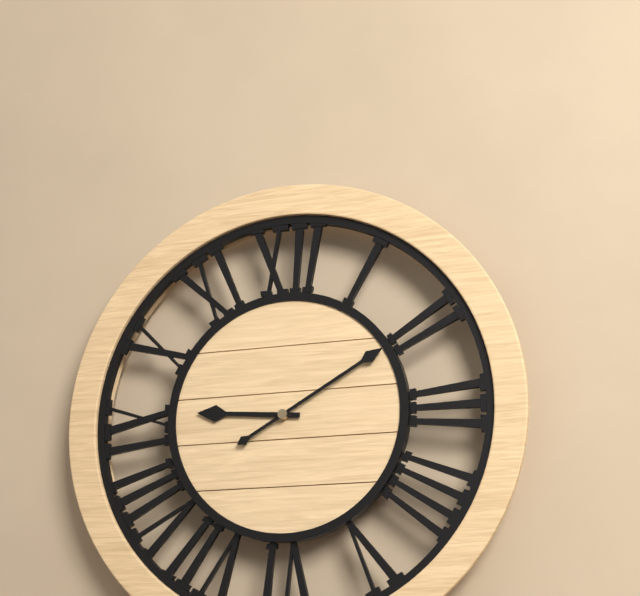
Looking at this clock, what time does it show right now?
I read 9:10
